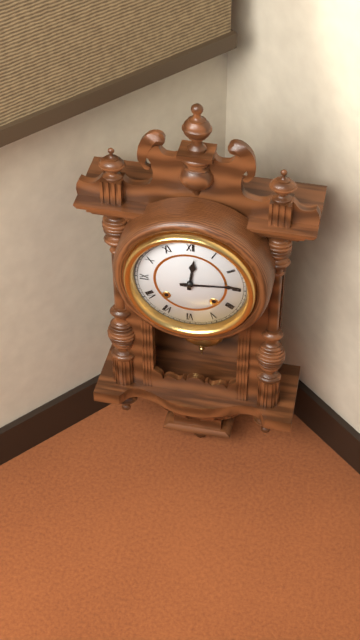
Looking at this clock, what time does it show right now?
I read 12:14
